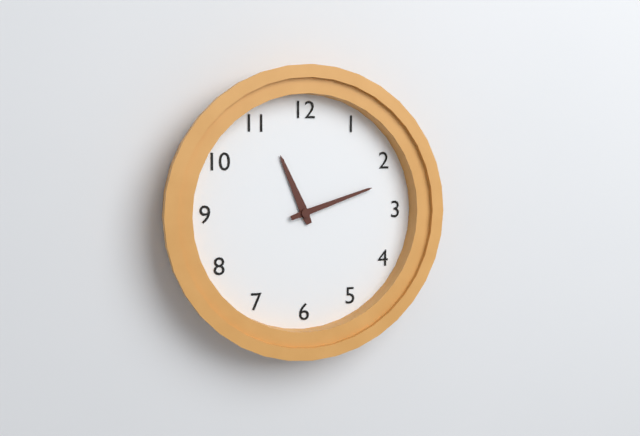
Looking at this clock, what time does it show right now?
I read 11:12
